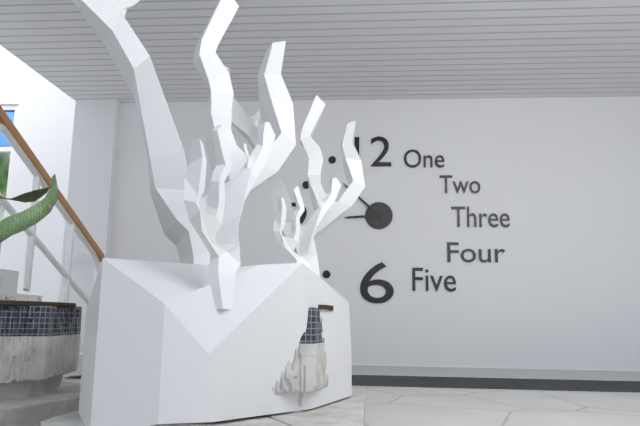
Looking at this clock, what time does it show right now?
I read 8:52
